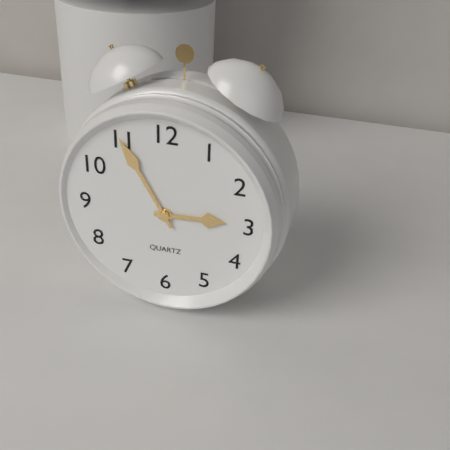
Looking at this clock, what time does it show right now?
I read 2:55
